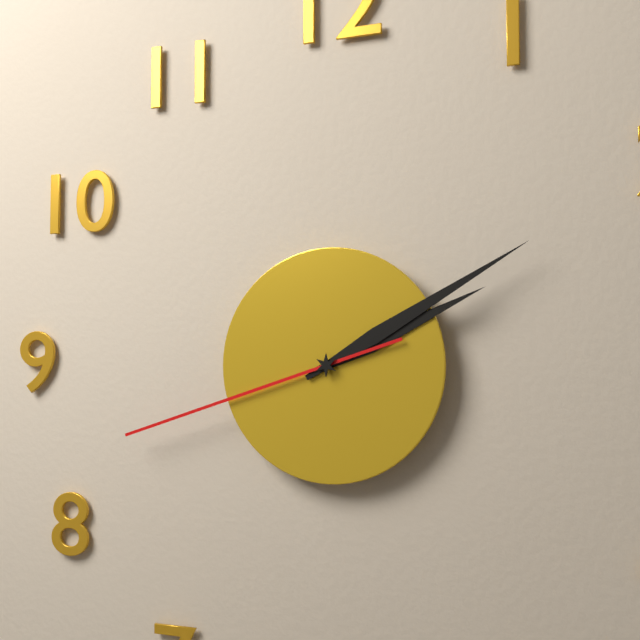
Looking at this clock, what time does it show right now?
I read 2:10:42
